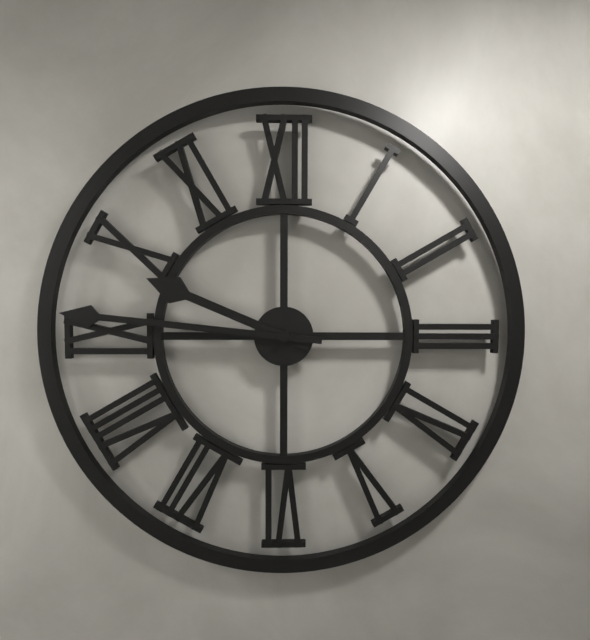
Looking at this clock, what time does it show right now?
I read 9:46
